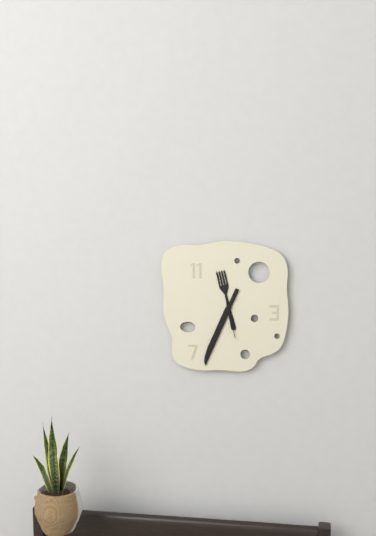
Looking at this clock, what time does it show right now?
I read 11:34
